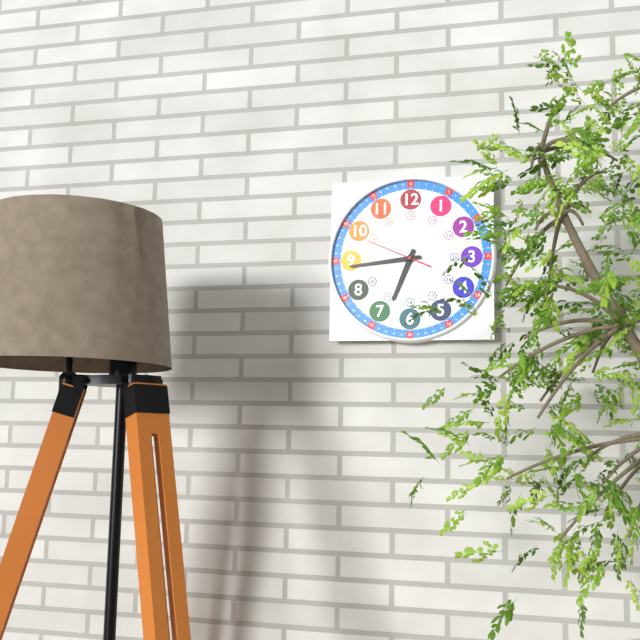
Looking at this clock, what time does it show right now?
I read 6:44:49
